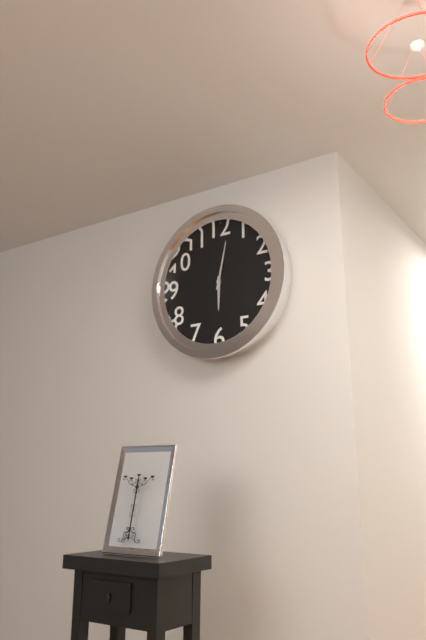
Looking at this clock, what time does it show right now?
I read 6:02
